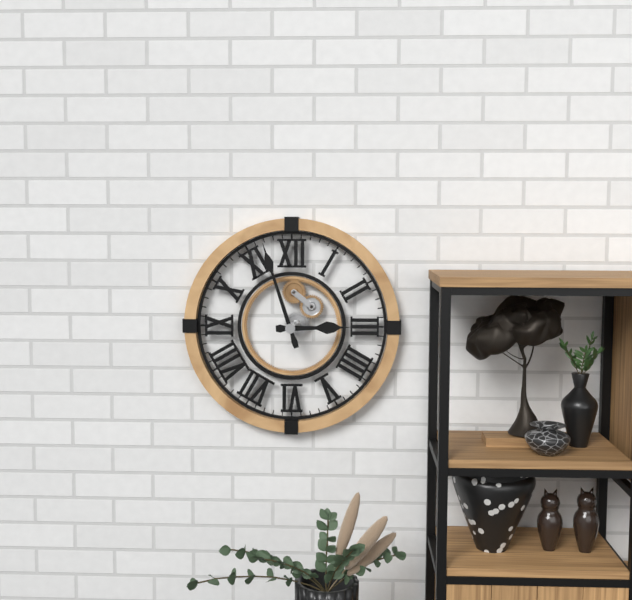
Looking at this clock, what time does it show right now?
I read 2:57
